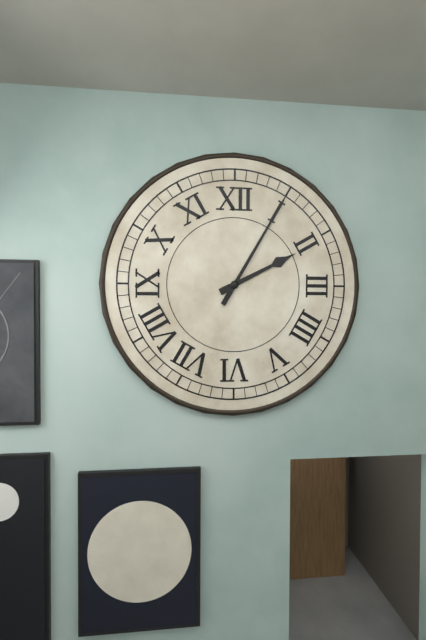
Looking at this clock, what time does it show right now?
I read 2:05
